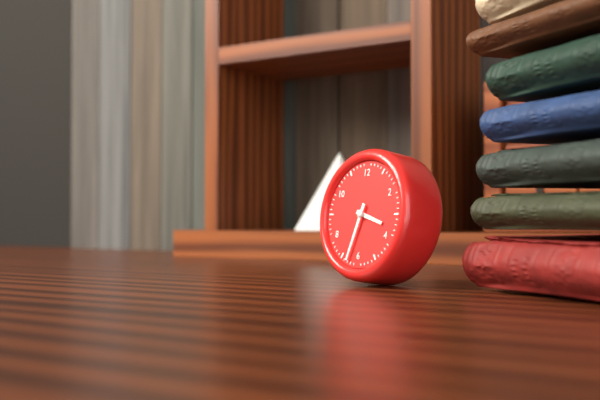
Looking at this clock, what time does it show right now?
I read 3:33
